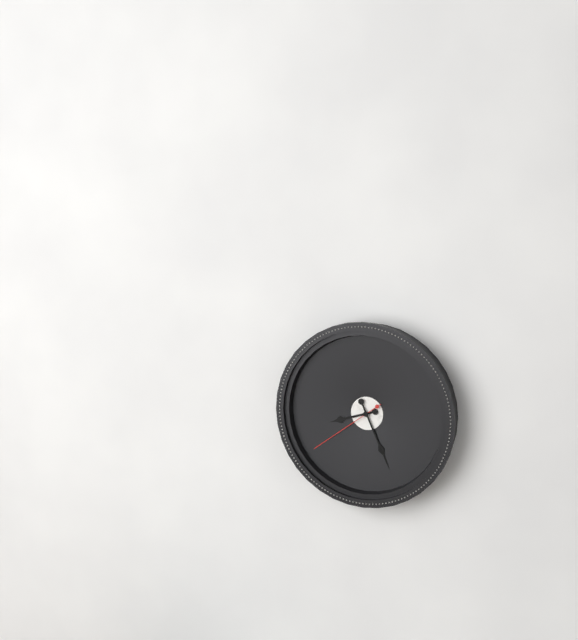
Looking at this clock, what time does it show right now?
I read 8:26:39
